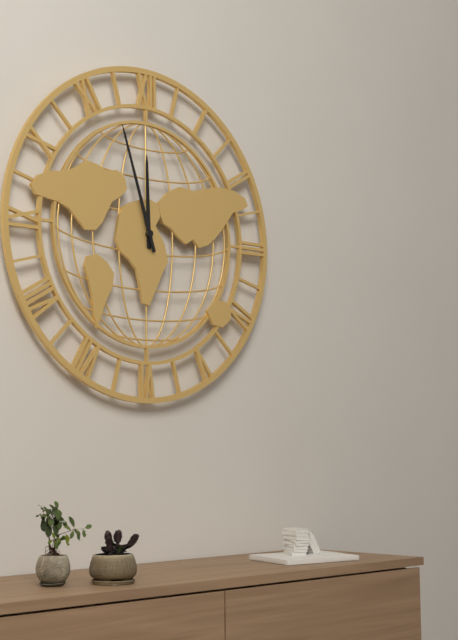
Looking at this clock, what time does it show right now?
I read 11:57
